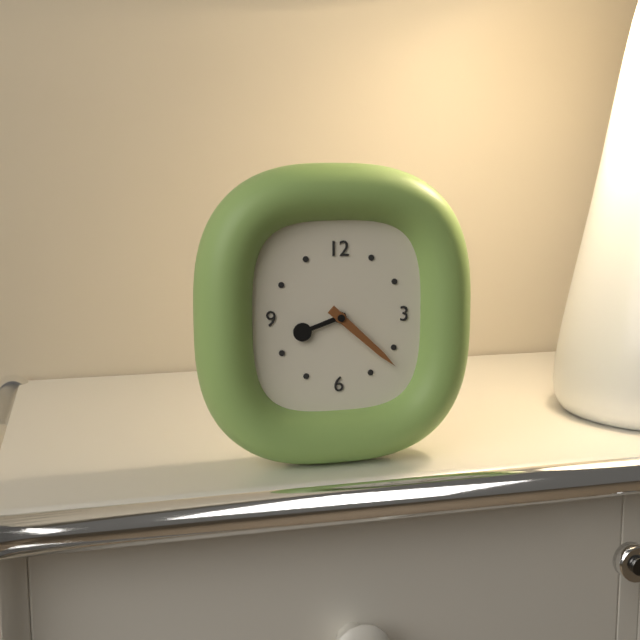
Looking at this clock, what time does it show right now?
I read 8:22
